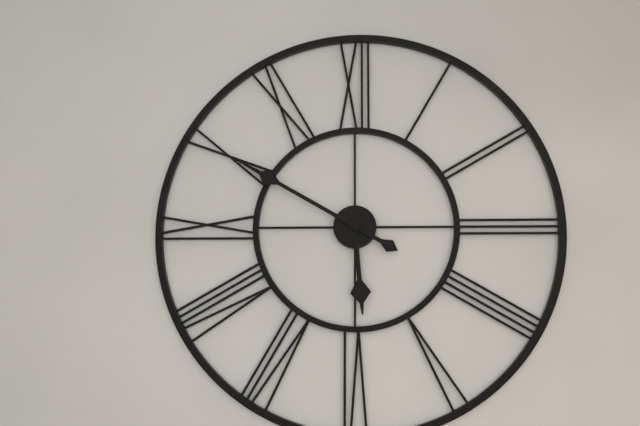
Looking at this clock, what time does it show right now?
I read 5:50
